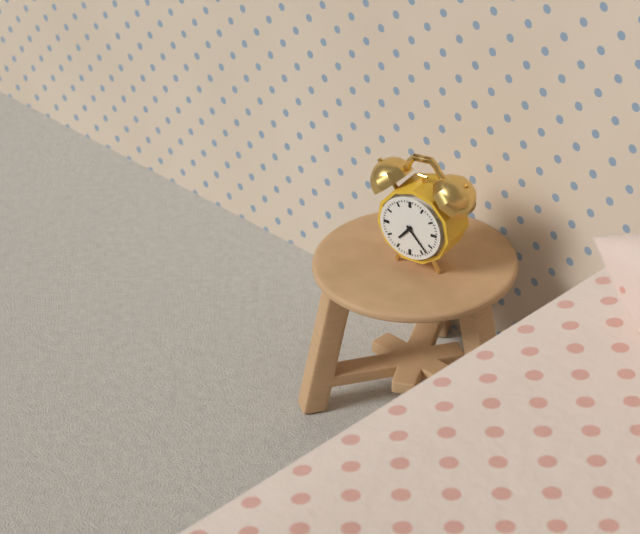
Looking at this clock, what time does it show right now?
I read 7:23
